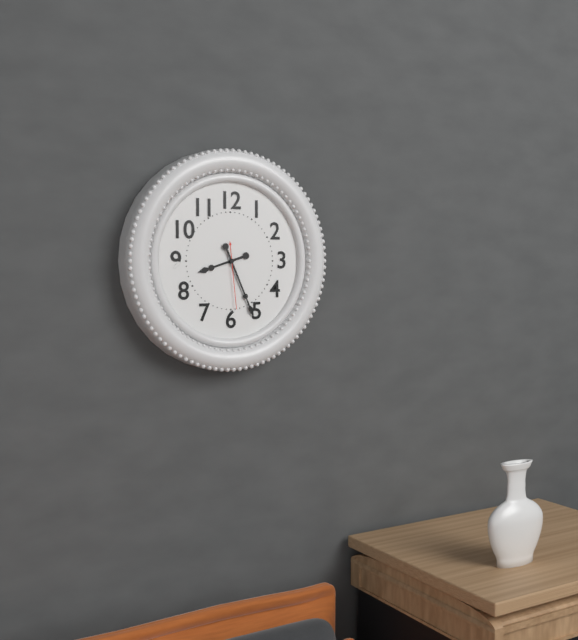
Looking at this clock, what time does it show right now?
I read 8:26:29
